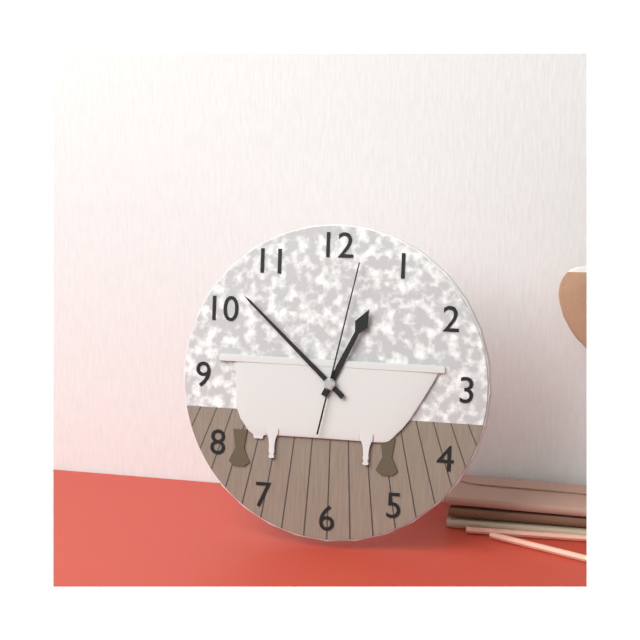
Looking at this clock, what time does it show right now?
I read 12:52:02
